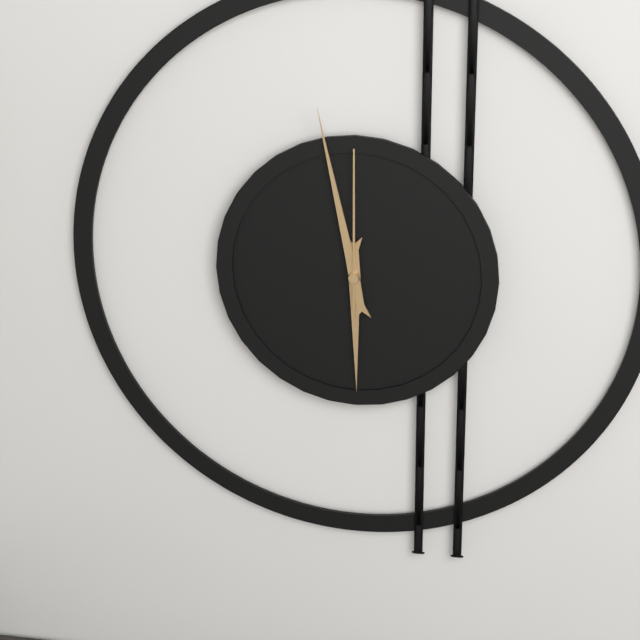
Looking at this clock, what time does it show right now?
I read 5:58:00
